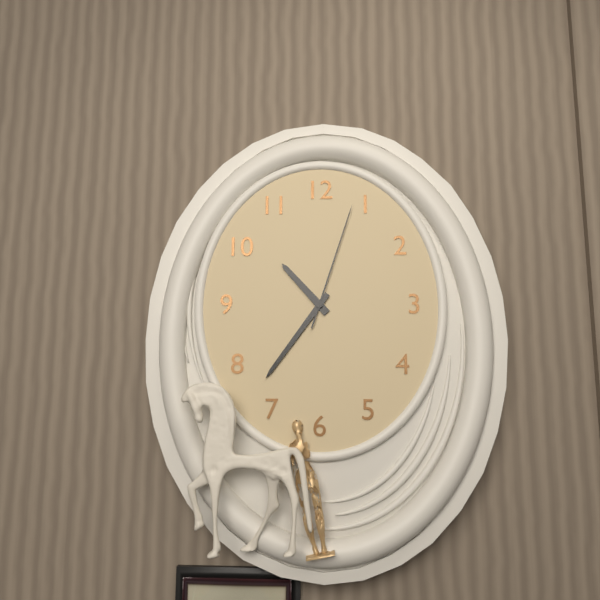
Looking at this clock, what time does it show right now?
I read 10:36:03
